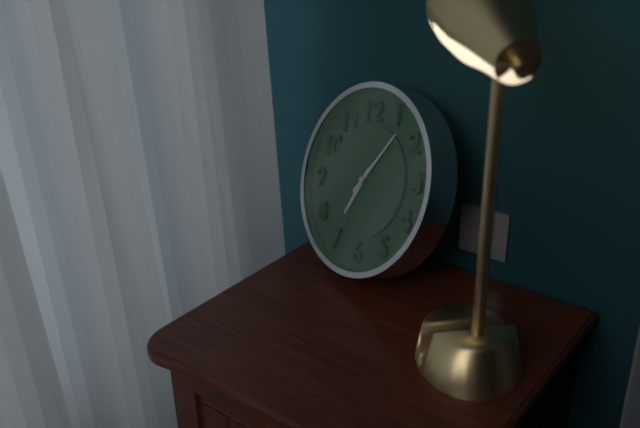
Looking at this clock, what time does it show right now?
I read 7:07
